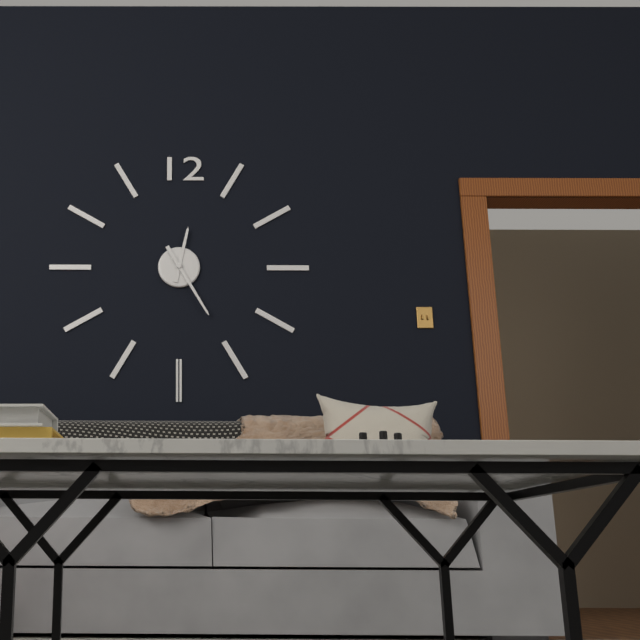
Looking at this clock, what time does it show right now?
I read 12:25
